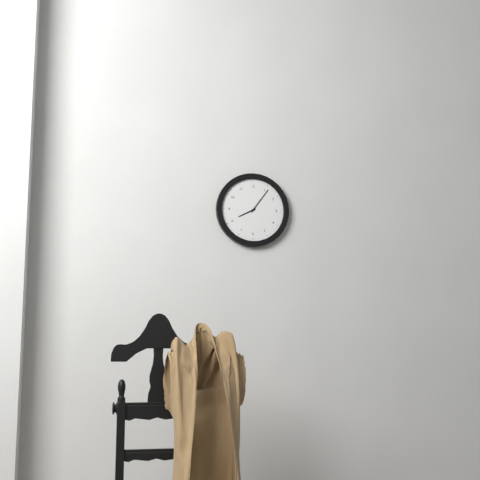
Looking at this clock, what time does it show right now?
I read 8:06
